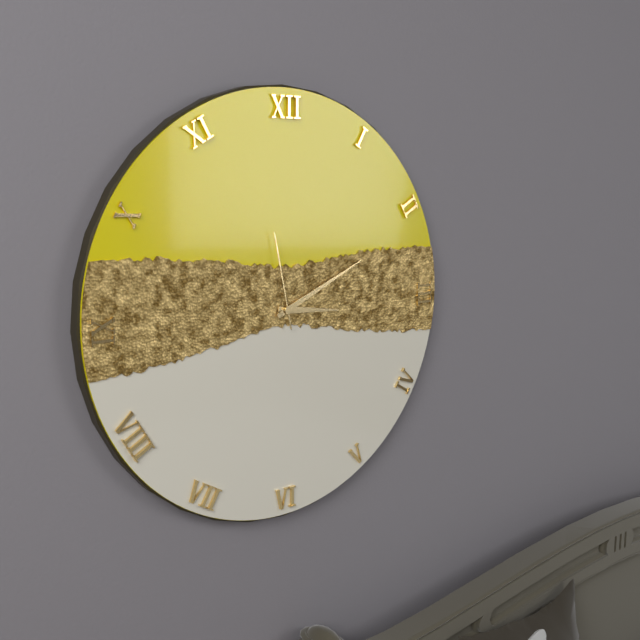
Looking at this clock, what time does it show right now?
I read 3:11:58
